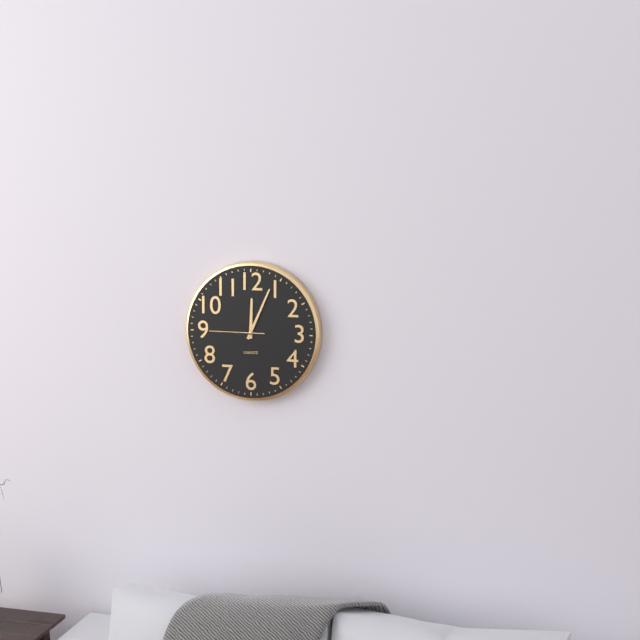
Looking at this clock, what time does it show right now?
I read 12:04:45
